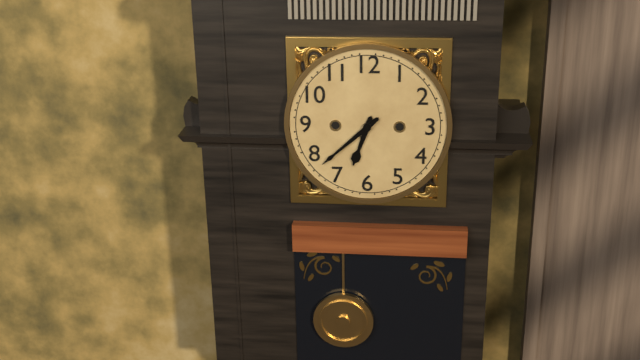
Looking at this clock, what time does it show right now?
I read 6:38
